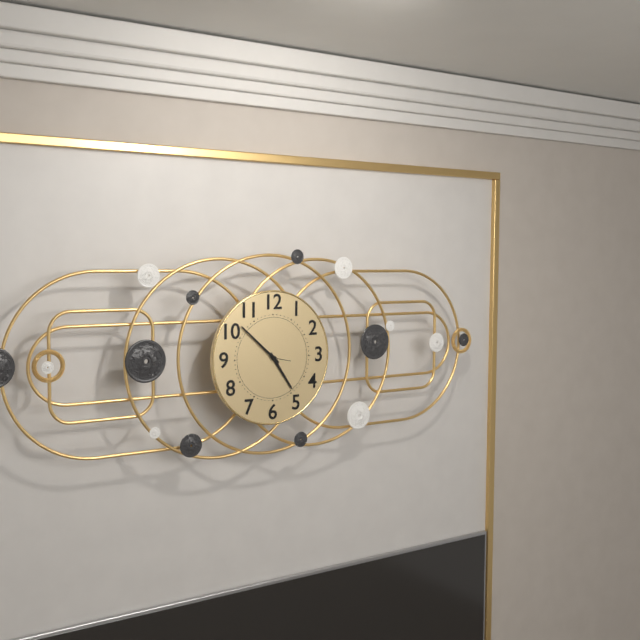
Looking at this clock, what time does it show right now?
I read 4:52
